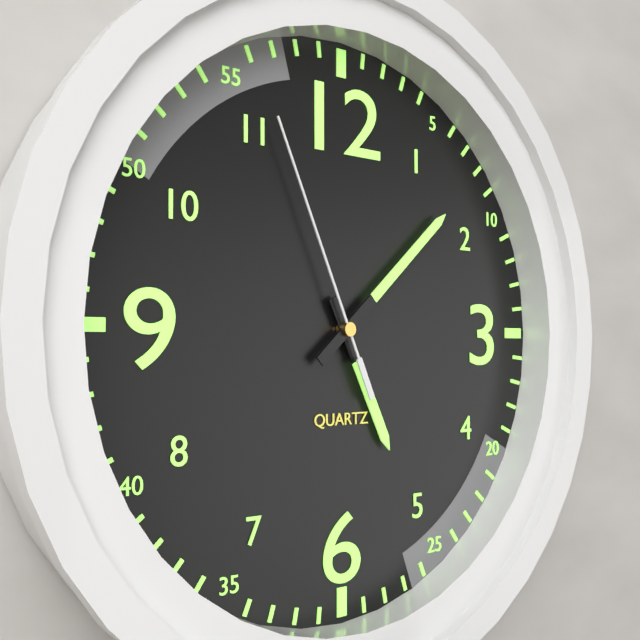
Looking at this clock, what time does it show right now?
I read 5:08:56
